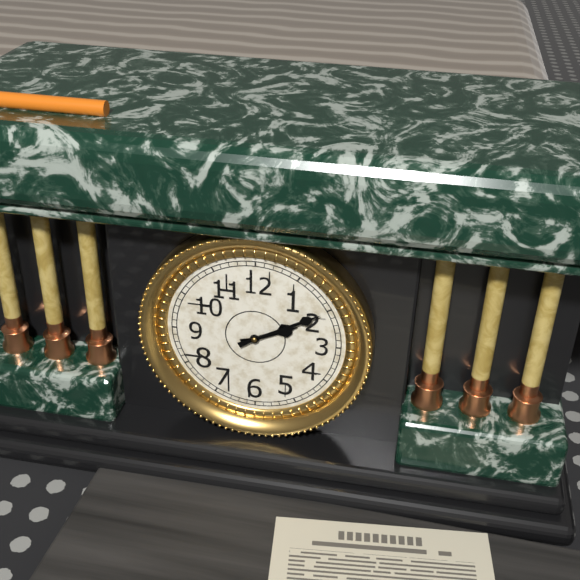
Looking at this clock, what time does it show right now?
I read 2:10
